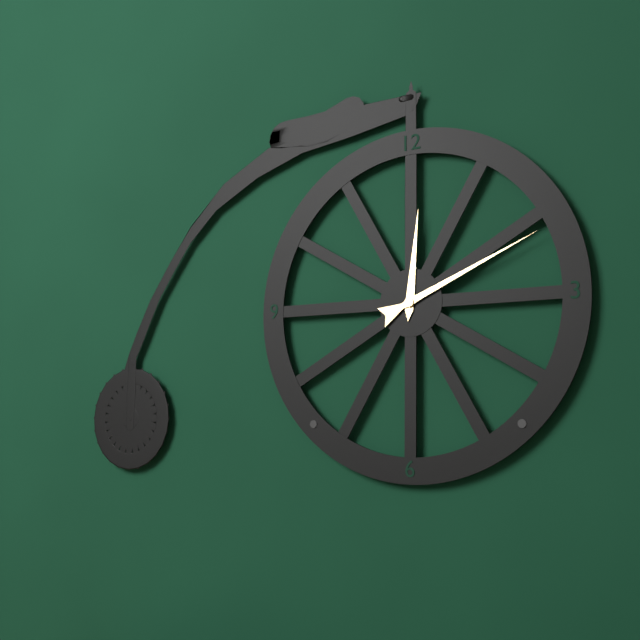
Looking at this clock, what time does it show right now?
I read 12:11
